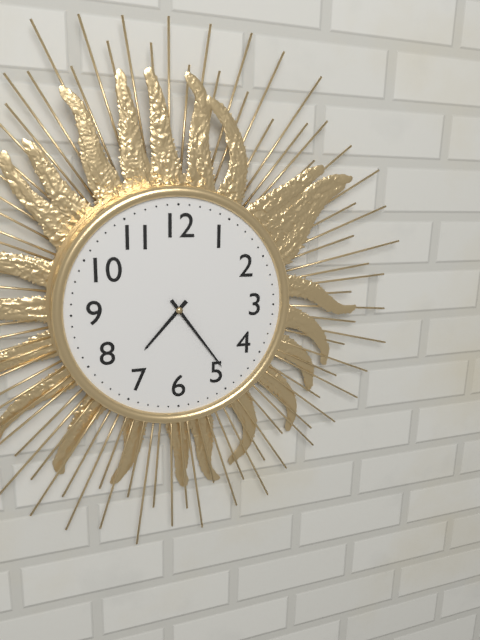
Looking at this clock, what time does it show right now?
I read 7:24
